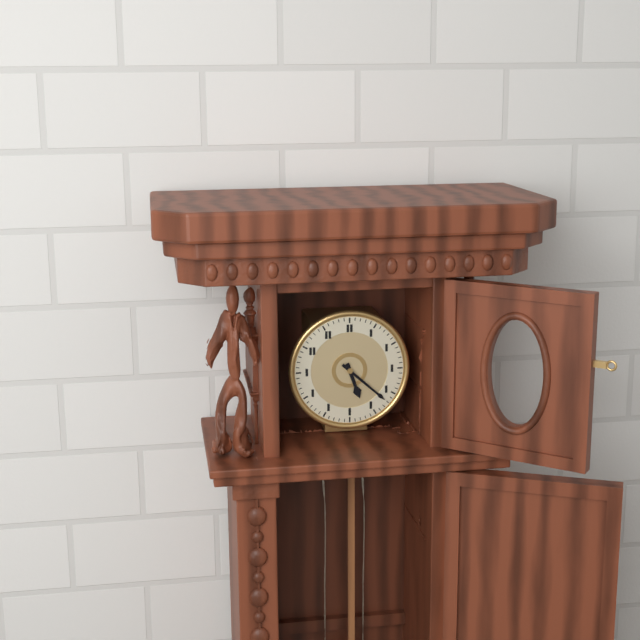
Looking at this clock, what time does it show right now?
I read 5:22
